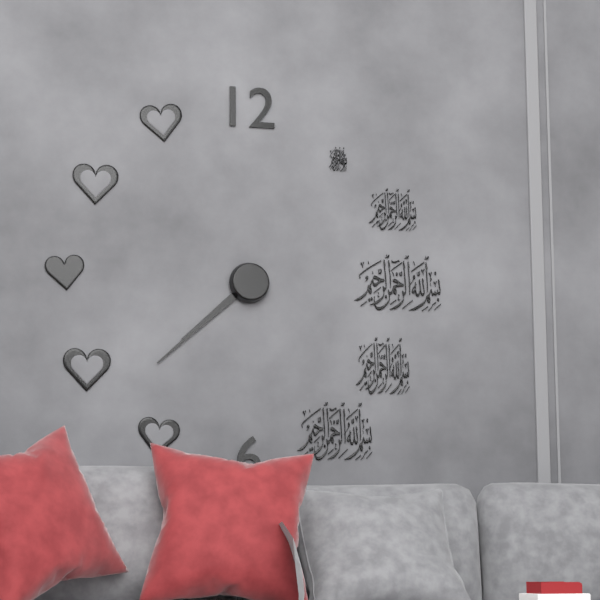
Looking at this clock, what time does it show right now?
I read 7:38
